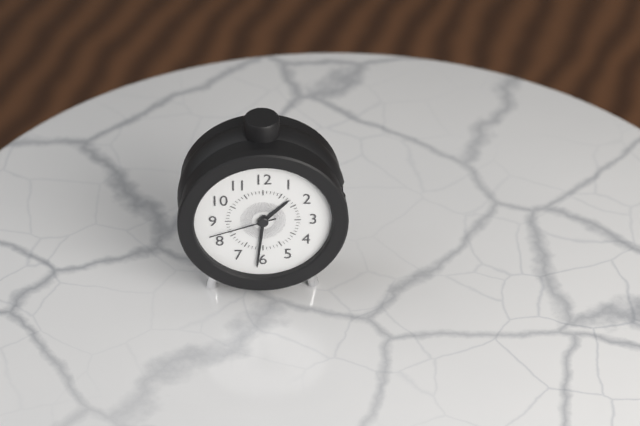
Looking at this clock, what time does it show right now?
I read 1:31:42
